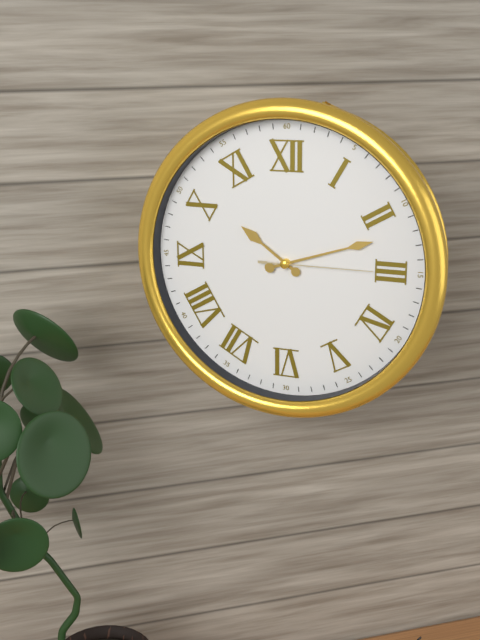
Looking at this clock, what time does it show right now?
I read 10:12:15
